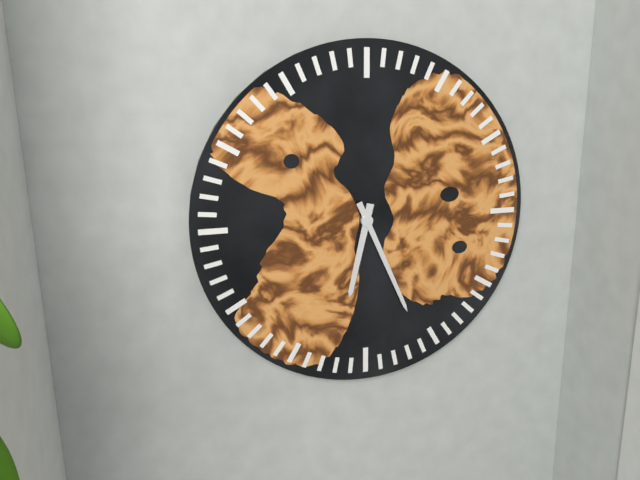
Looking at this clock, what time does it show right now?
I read 6:26
